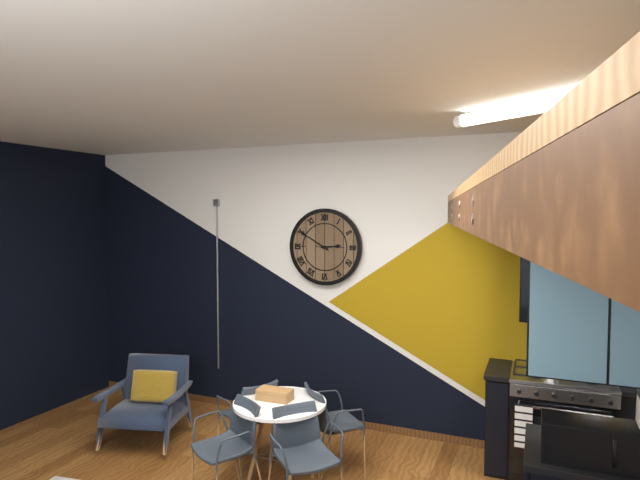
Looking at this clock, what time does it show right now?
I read 2:50
